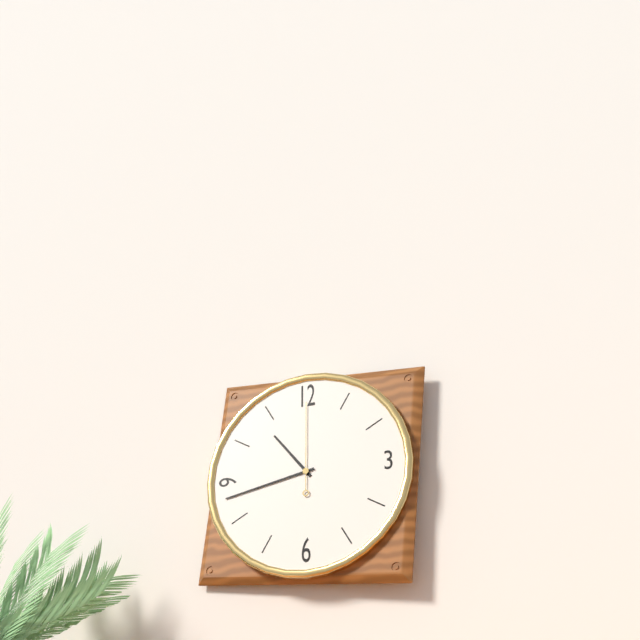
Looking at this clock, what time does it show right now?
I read 10:43:00
